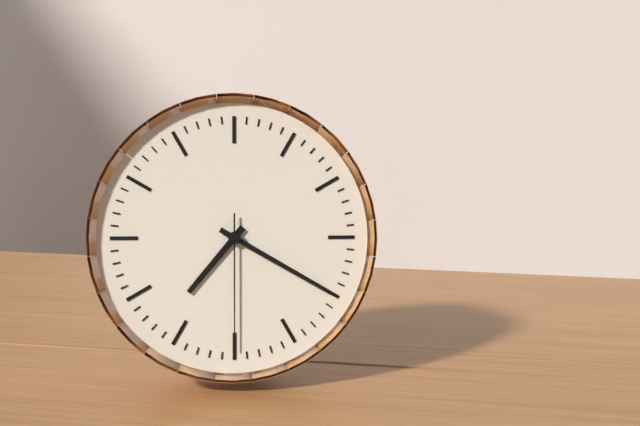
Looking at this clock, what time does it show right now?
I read 7:20:30
